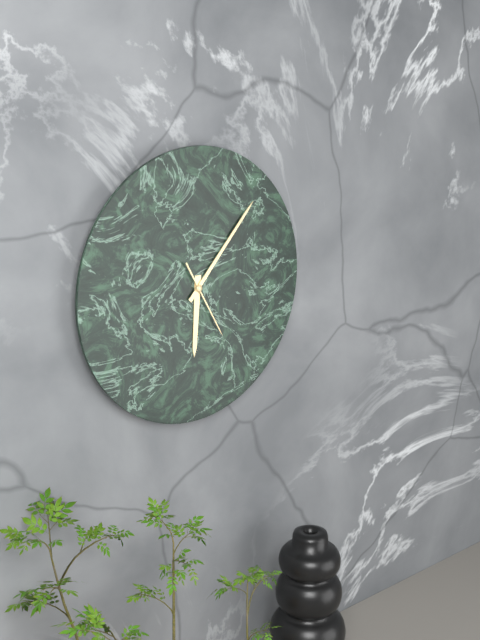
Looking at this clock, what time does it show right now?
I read 6:07:25
